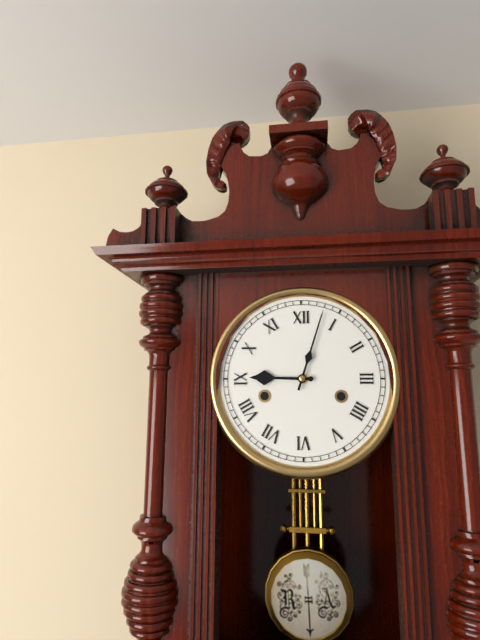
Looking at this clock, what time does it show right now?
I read 9:03
